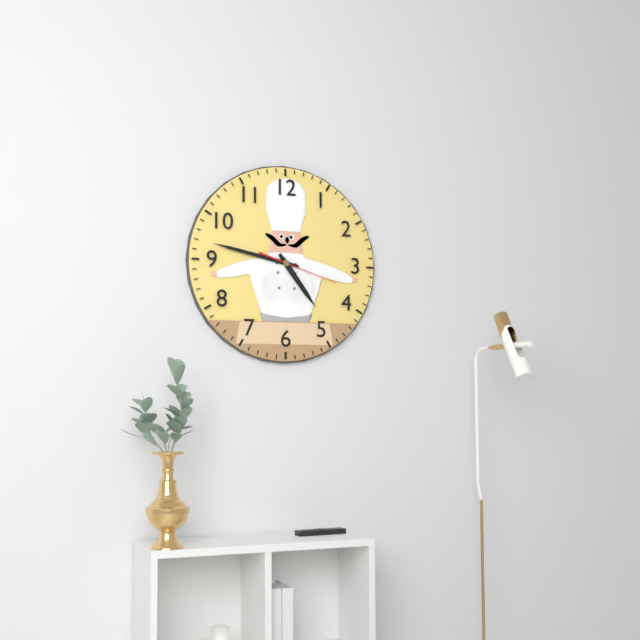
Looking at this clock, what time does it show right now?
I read 4:47:18
